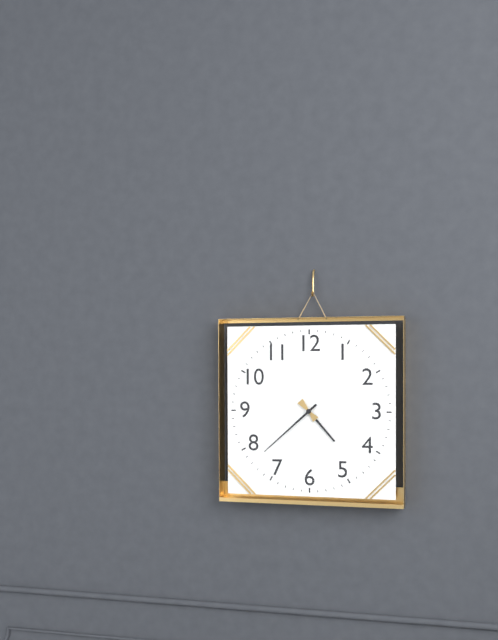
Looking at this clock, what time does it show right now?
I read 4:38
